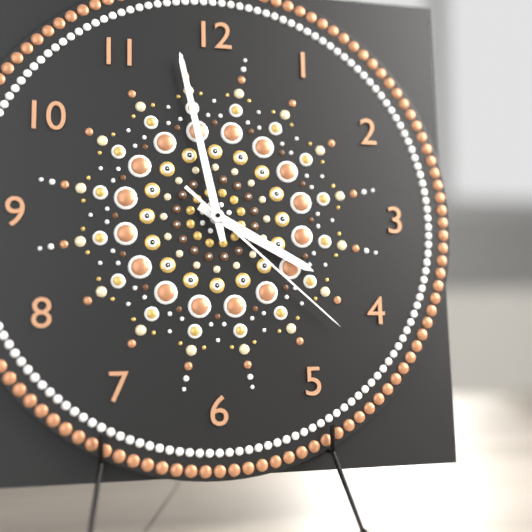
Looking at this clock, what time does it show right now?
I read 3:58:22
